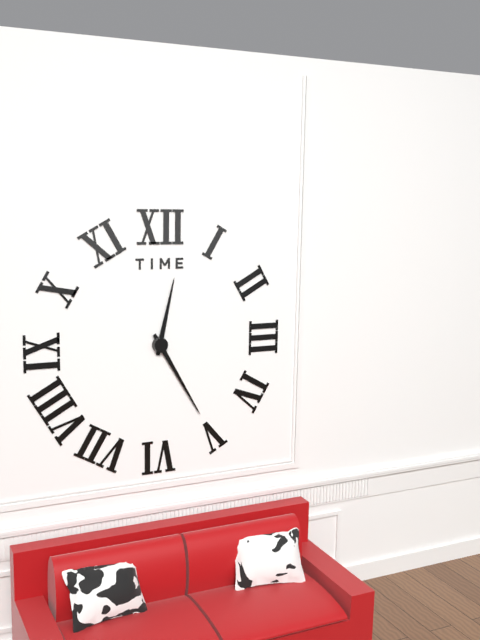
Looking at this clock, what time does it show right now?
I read 12:25
